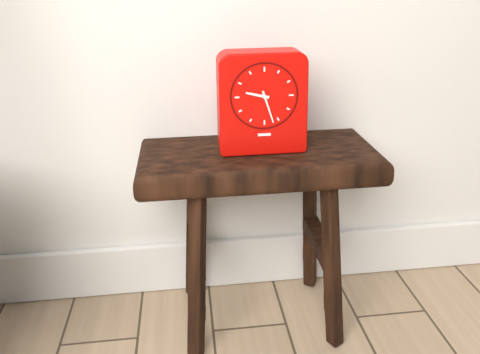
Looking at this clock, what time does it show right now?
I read 9:27
